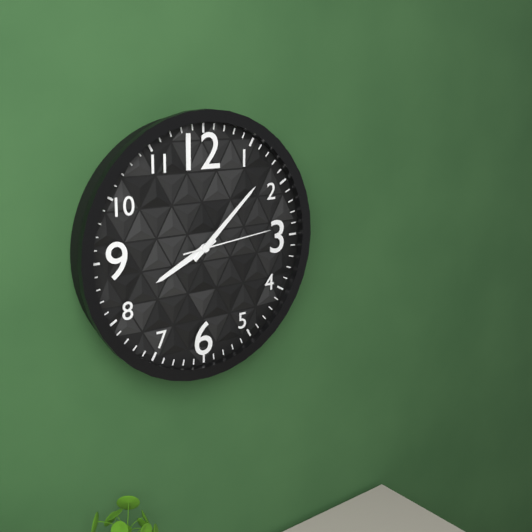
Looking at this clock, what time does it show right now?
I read 8:08:14
